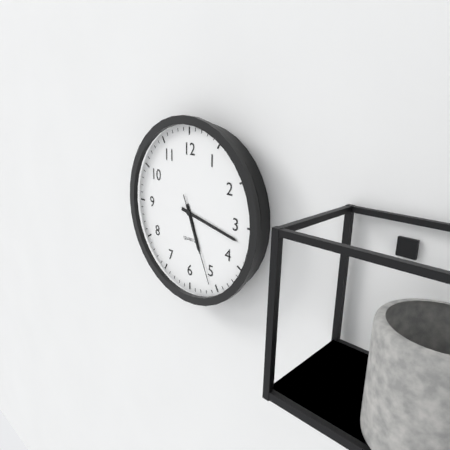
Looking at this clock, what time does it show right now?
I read 5:17:26
